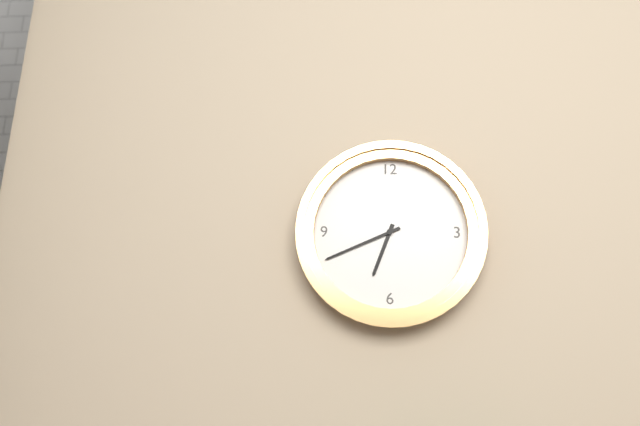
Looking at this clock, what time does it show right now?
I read 6:41
